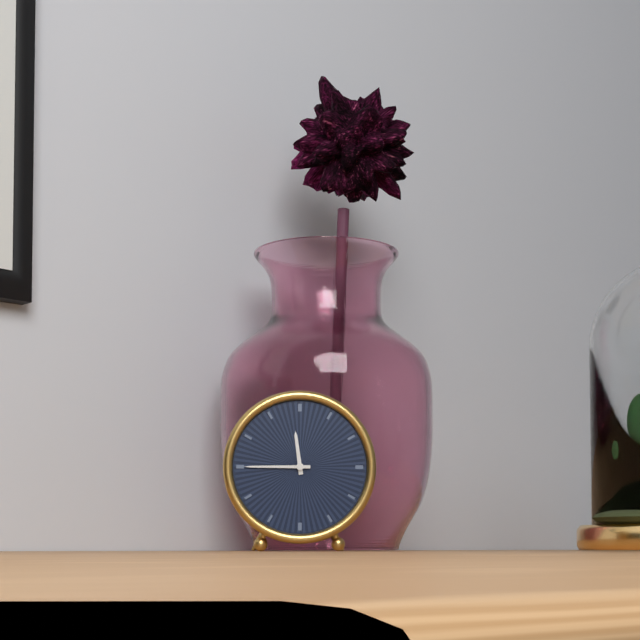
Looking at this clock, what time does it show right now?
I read 11:45
